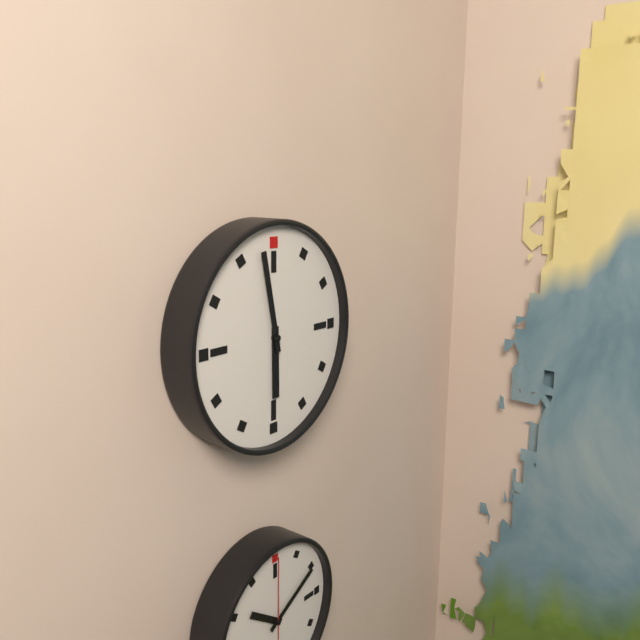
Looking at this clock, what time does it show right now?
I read 5:58
